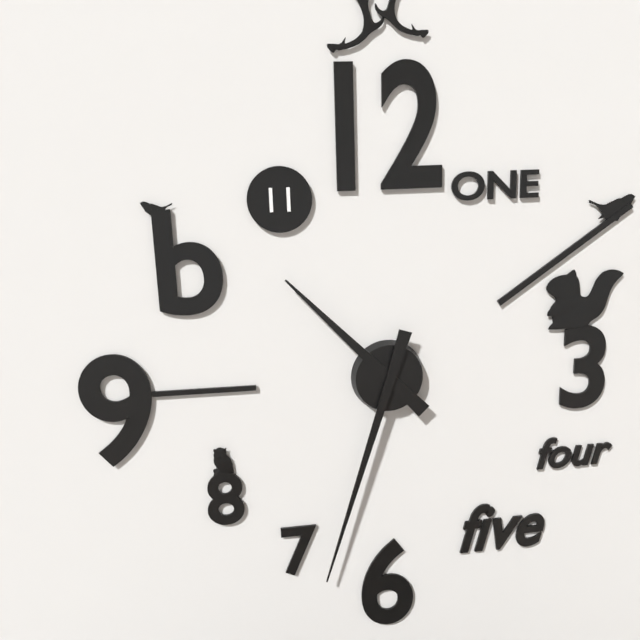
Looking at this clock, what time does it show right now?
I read 10:33
